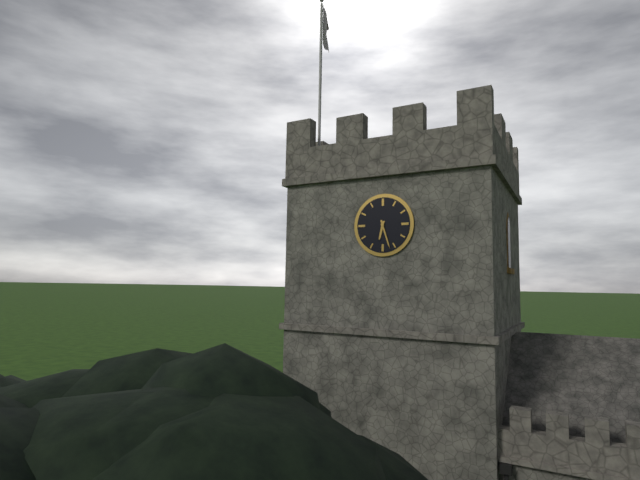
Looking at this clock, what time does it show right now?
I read 6:27
